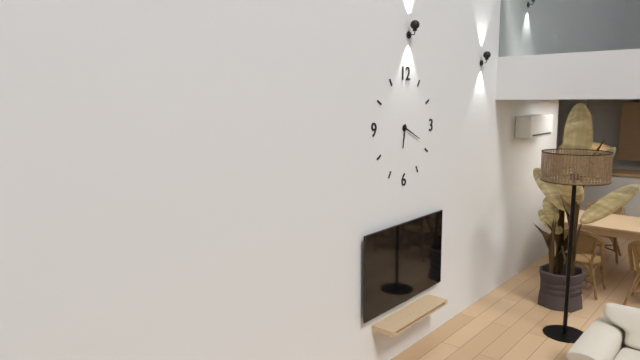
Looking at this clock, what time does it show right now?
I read 6:19
